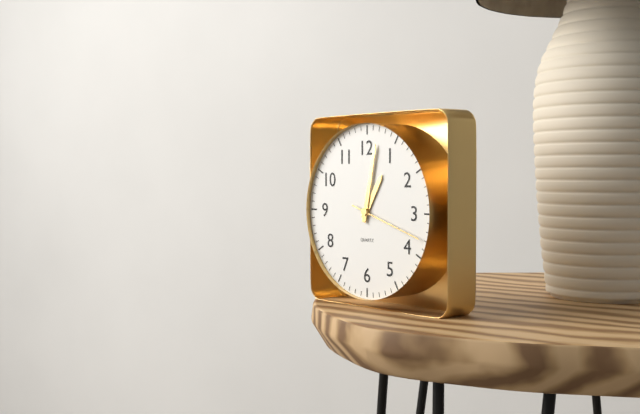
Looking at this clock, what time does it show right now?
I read 1:02:18
